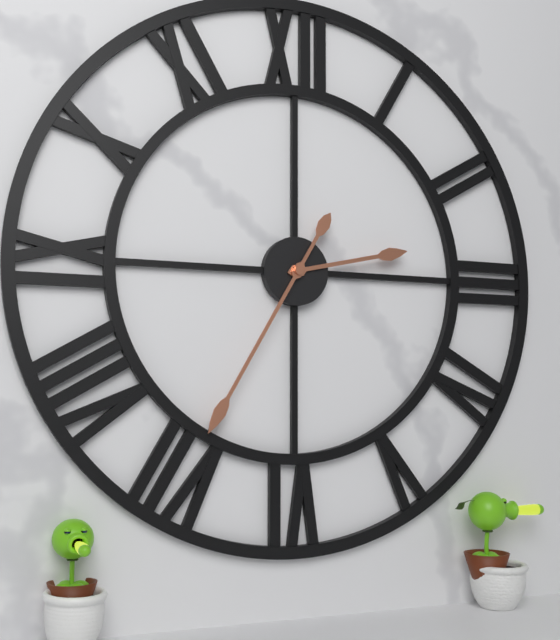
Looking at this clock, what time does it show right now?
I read 2:35
